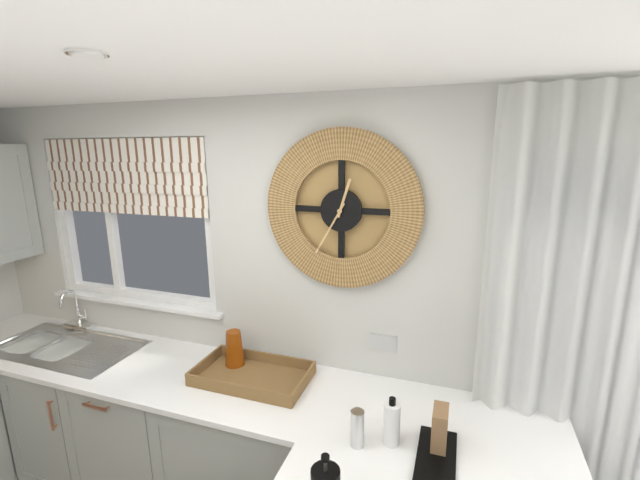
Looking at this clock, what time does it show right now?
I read 12:35
